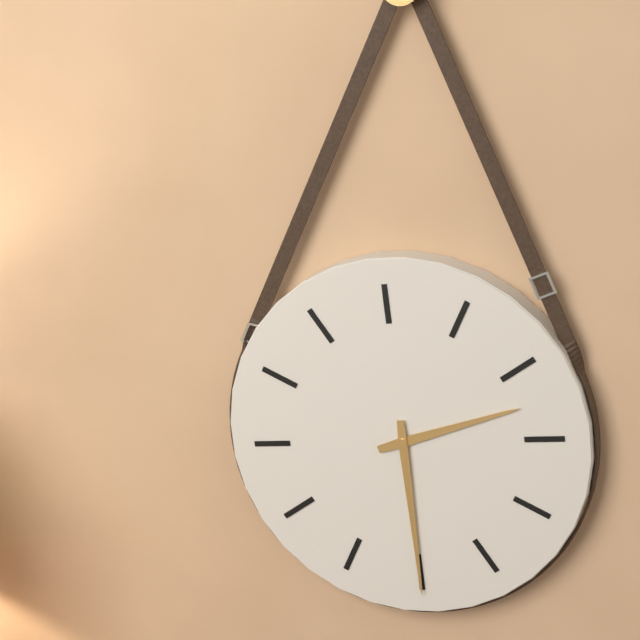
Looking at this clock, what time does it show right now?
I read 2:30
